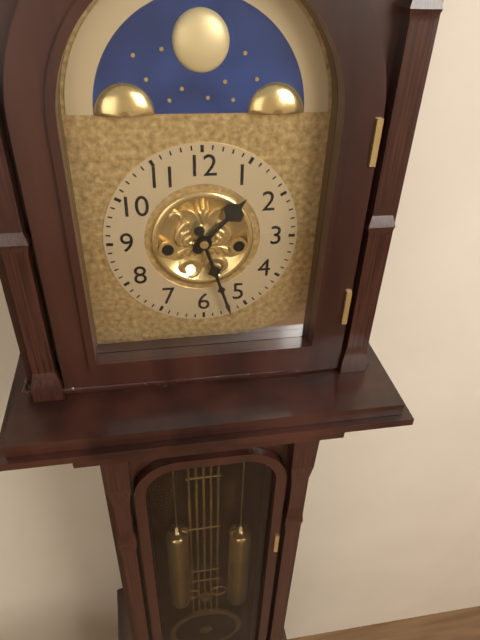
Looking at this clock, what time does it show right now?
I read 1:27
